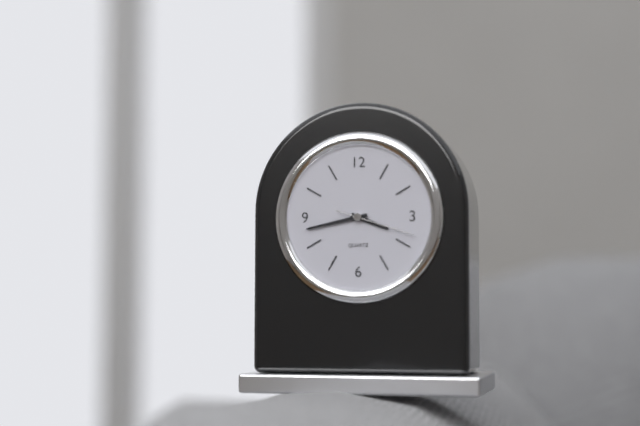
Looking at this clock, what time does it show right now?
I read 3:43:18
